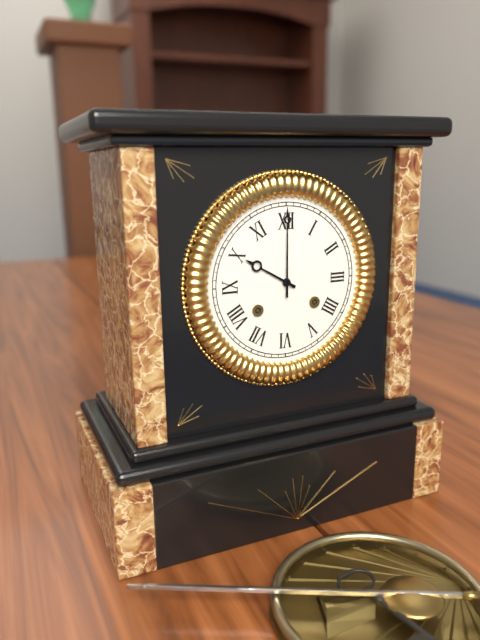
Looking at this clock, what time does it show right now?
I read 10:00
